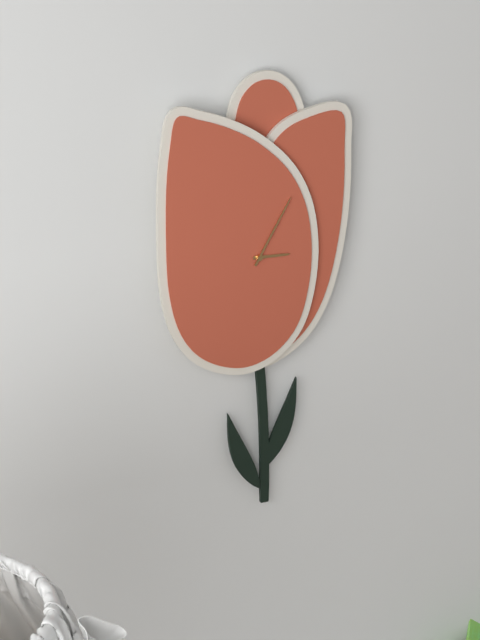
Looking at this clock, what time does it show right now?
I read 3:05
